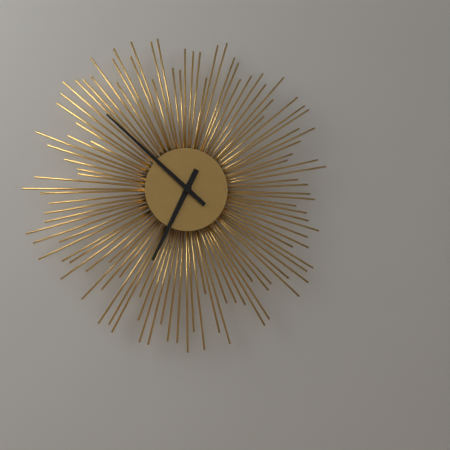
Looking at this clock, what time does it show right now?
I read 6:52
